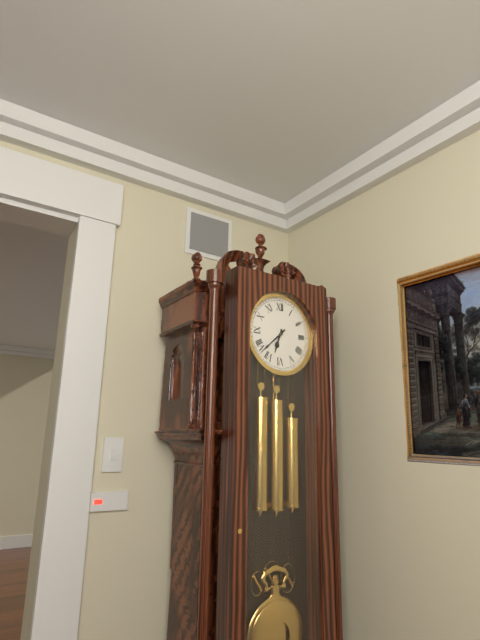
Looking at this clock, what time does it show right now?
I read 6:38
